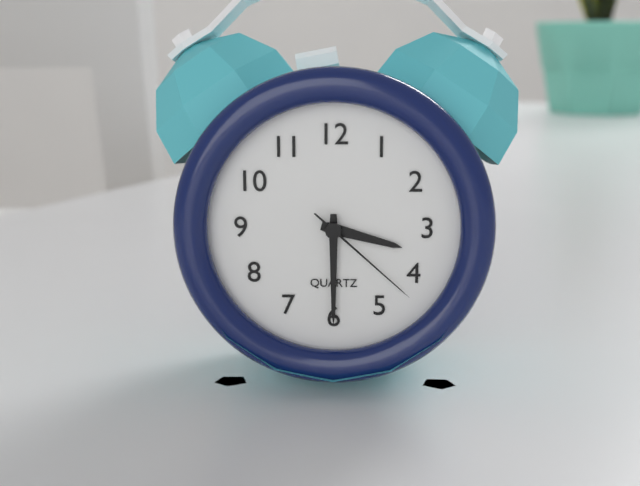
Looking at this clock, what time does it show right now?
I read 3:30:22
